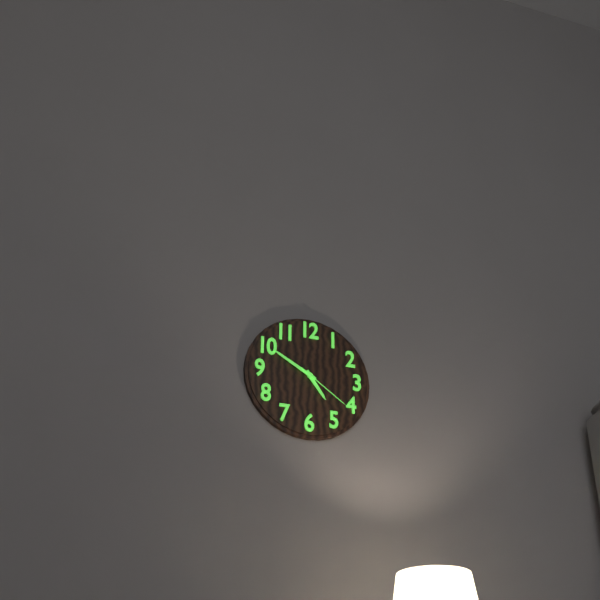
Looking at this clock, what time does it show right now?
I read 4:50:21
